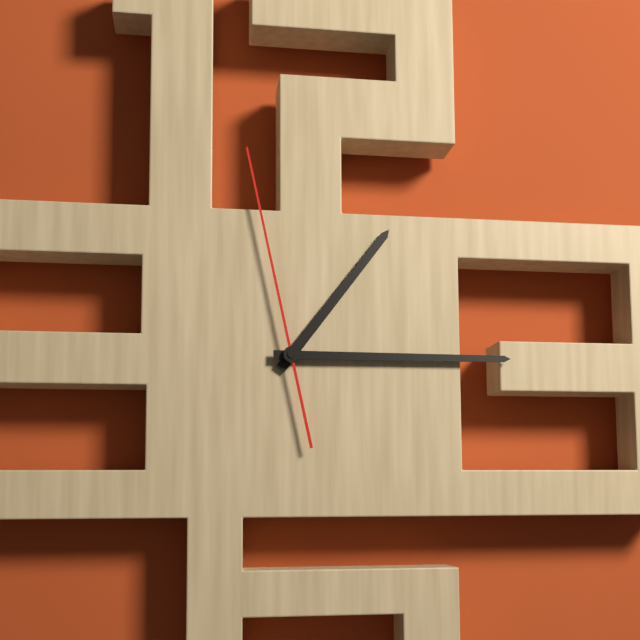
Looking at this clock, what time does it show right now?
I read 1:15:58
